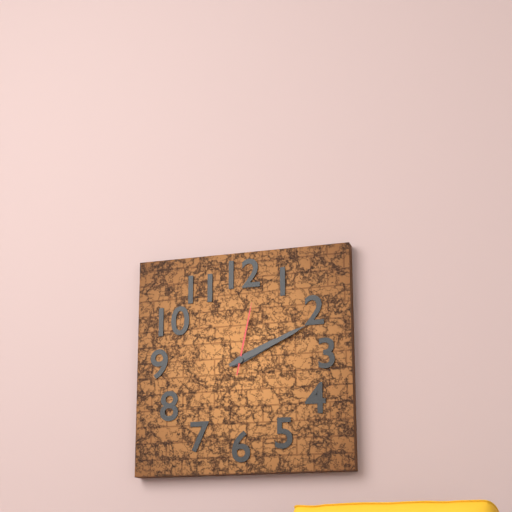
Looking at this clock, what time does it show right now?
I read 2:11:02
